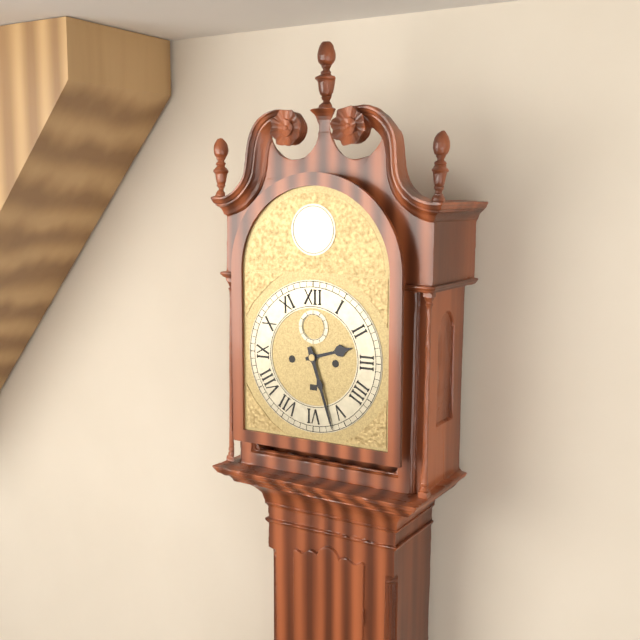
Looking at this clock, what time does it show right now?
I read 2:27
